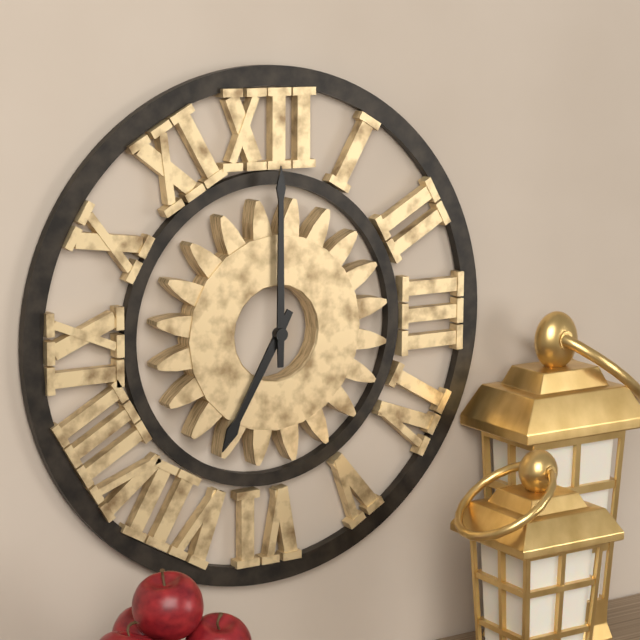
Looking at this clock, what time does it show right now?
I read 7:00
